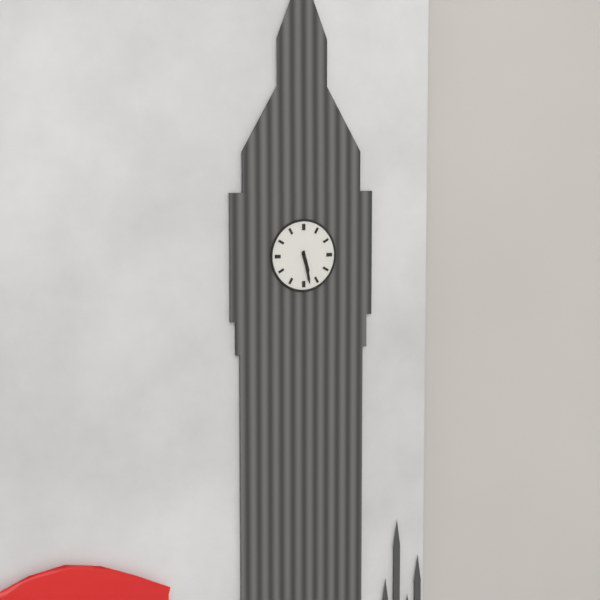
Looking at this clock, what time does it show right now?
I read 5:28
